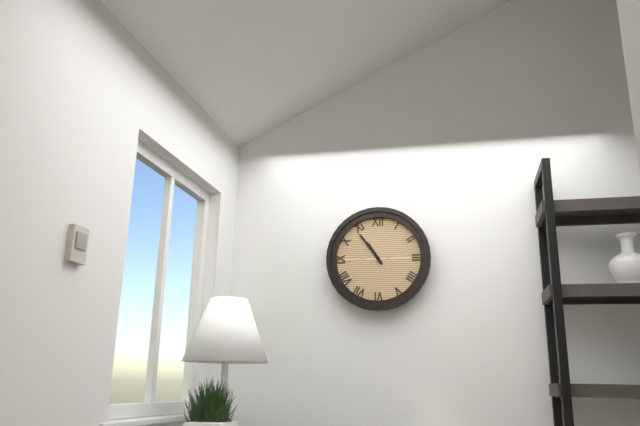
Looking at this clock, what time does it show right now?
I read 10:54
